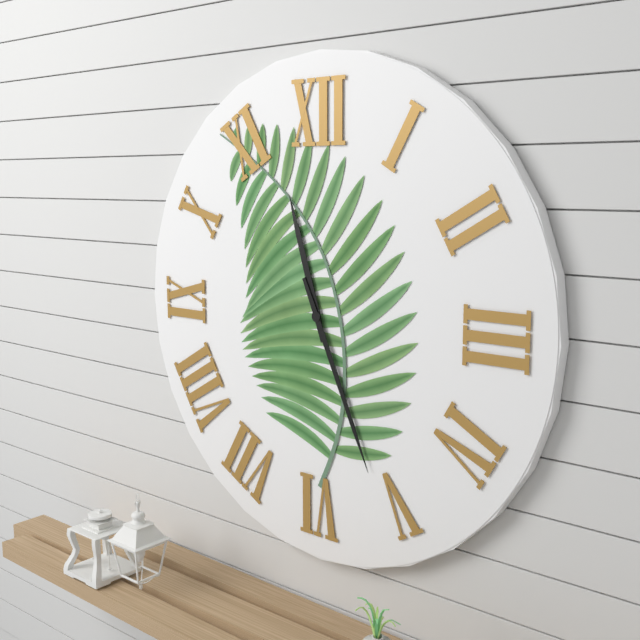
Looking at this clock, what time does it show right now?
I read 11:26
